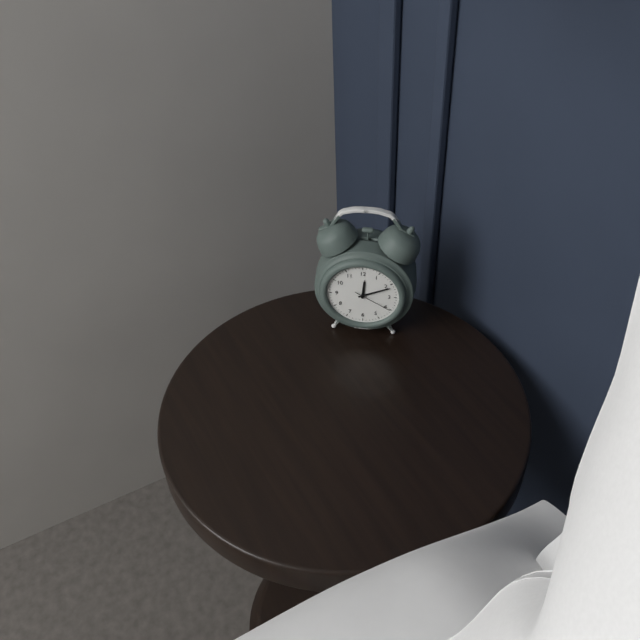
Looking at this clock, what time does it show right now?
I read 12:11
